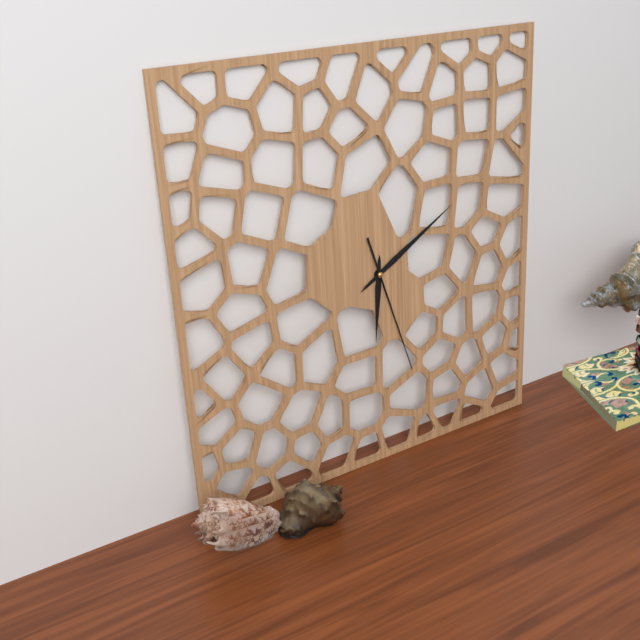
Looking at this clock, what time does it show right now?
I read 6:10:27
